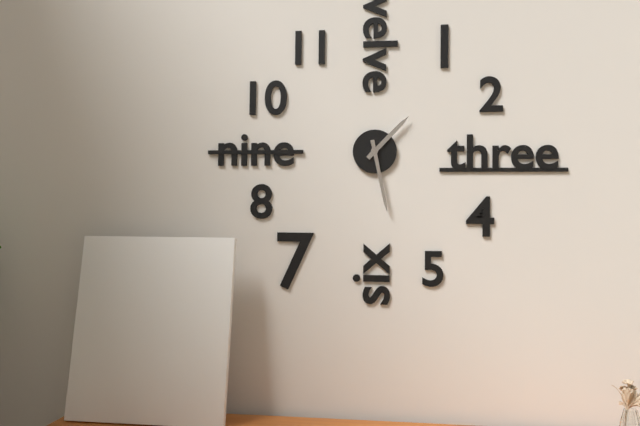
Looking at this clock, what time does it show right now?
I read 1:28
